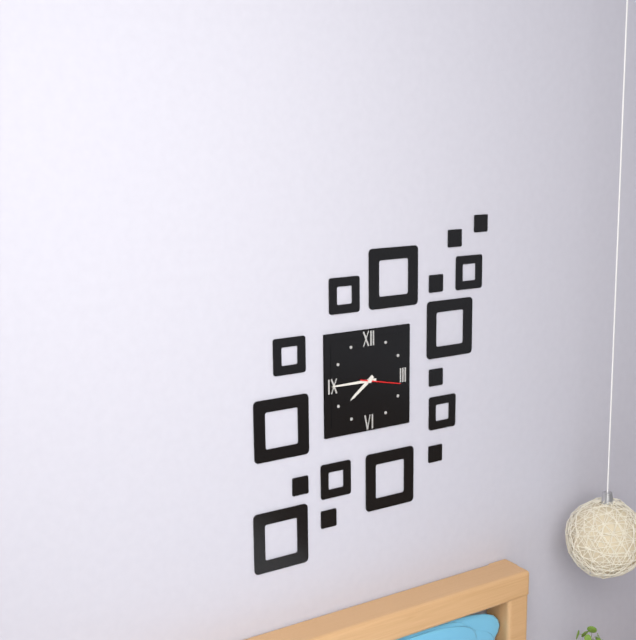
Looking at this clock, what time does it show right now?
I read 7:45
